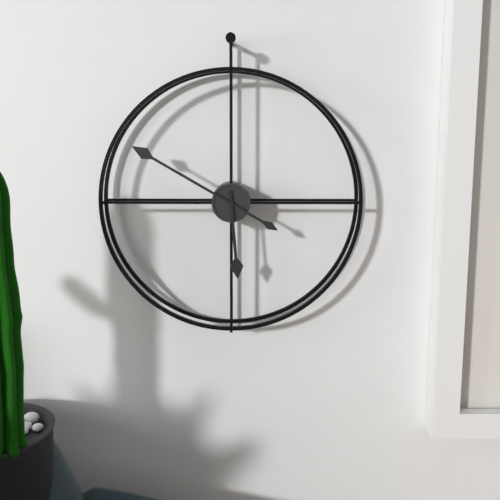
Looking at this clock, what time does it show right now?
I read 5:50
